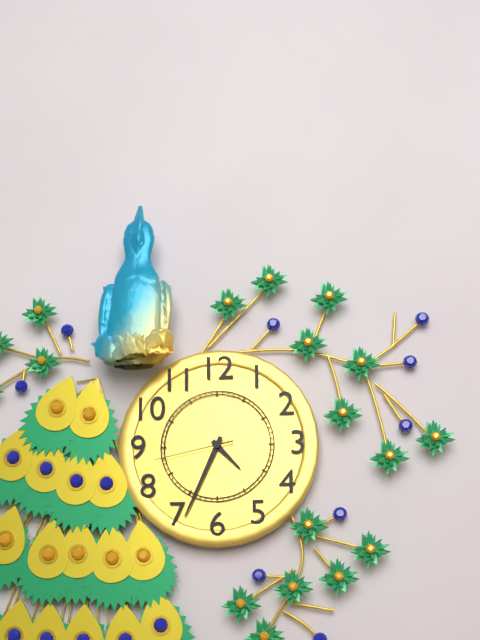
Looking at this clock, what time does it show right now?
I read 4:34:43
